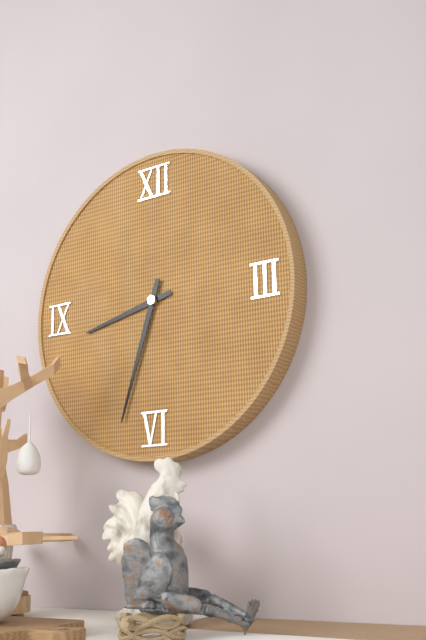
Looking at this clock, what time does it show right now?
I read 8:33
